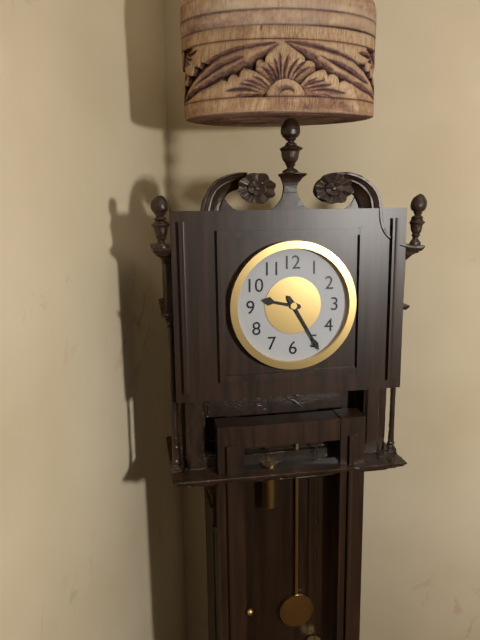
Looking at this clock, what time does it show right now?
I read 9:25
